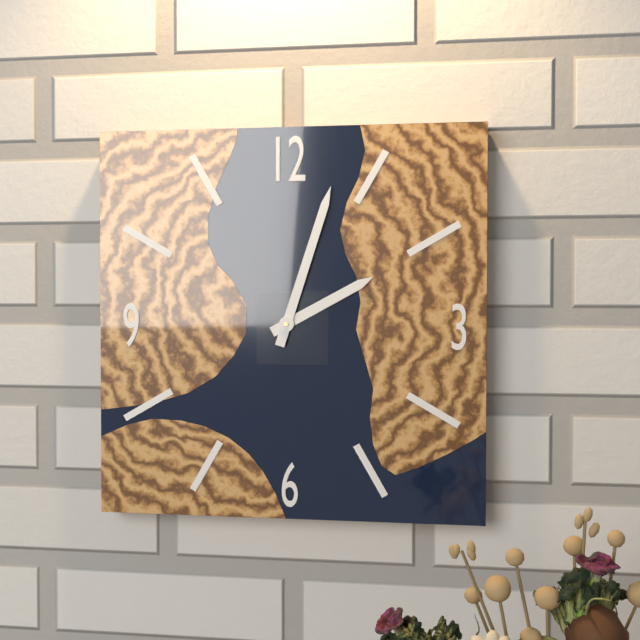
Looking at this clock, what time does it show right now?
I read 2:03
